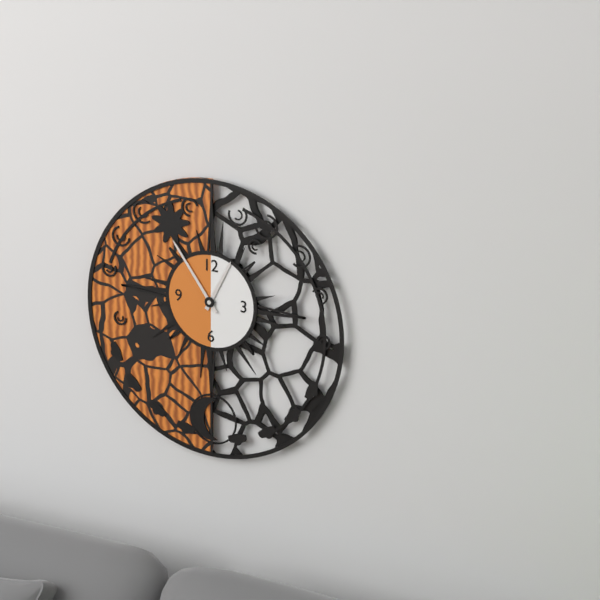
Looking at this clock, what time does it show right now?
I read 12:54
